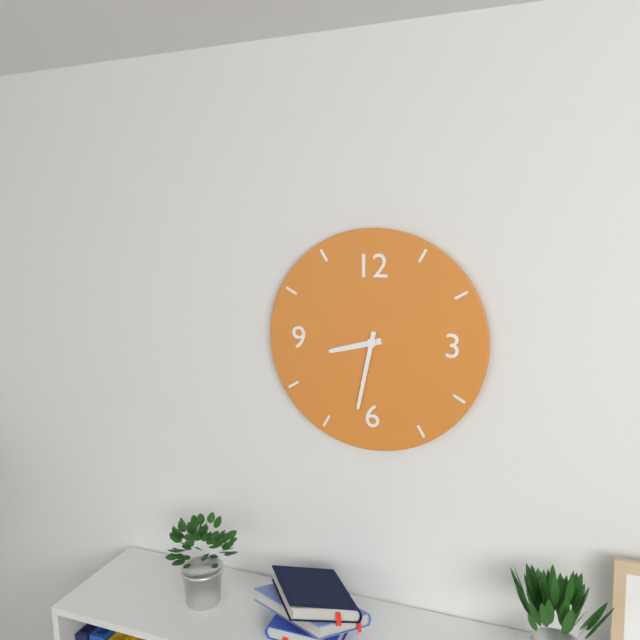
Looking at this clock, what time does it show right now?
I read 8:32
